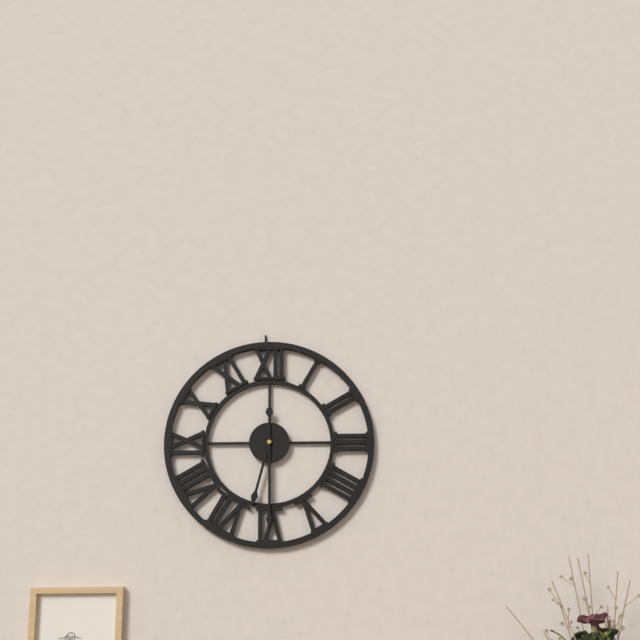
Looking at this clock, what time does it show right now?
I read 6:30
